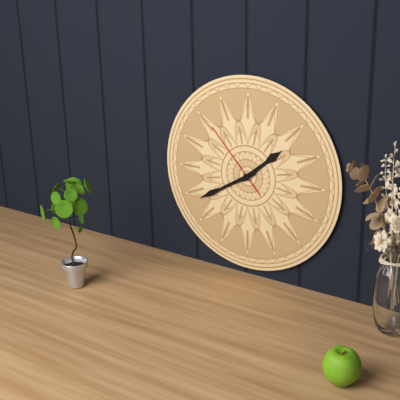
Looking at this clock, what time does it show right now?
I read 1:40:53
